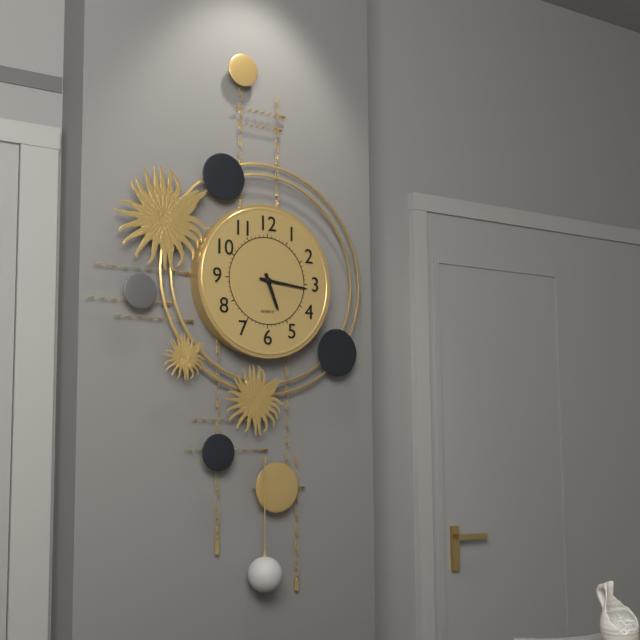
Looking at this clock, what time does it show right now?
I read 5:16
